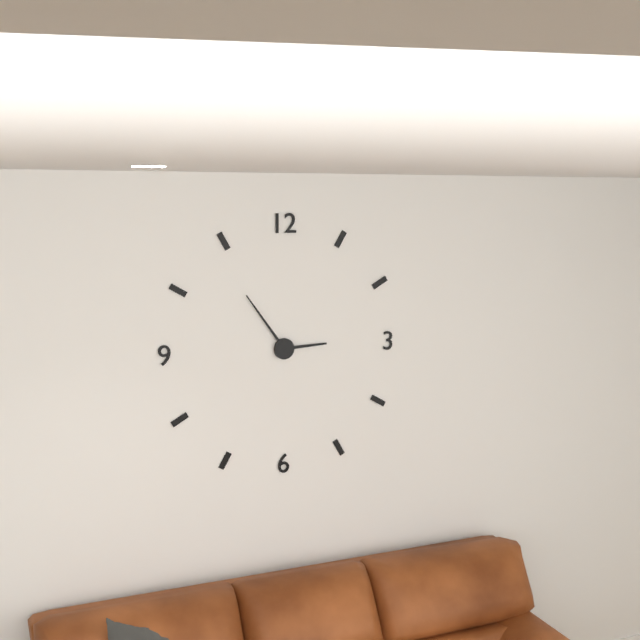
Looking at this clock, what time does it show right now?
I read 2:54
